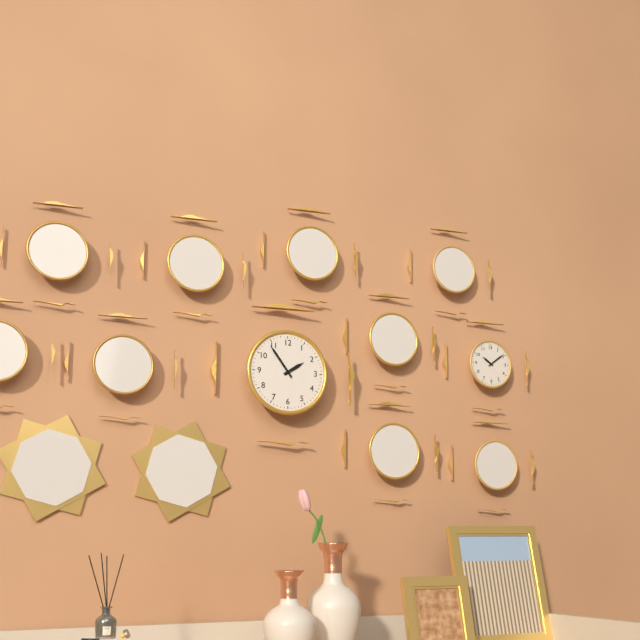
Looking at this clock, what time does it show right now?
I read 1:54
